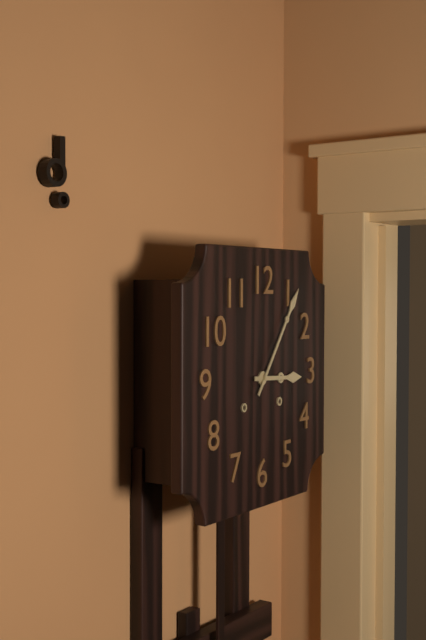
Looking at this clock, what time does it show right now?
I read 3:06
